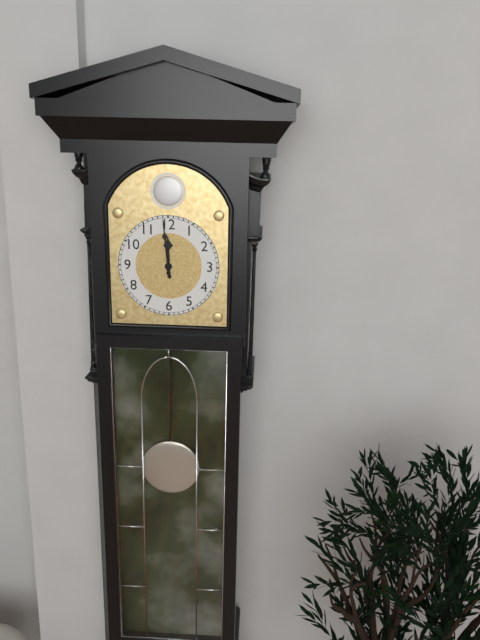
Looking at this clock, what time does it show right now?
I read 11:59
